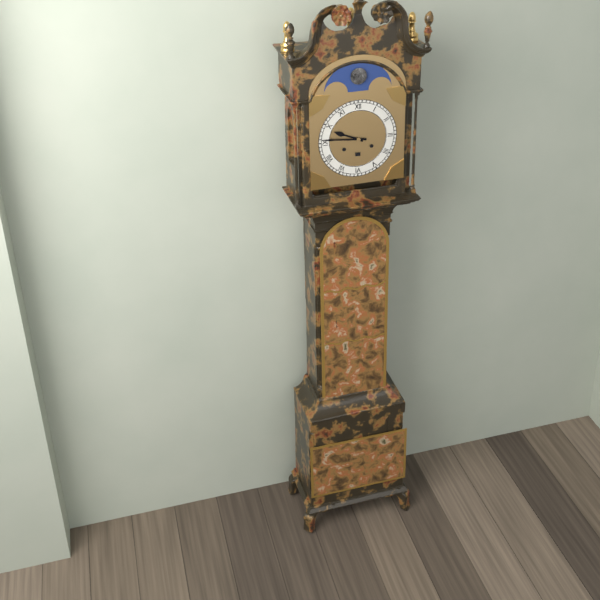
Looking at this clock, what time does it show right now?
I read 9:46
